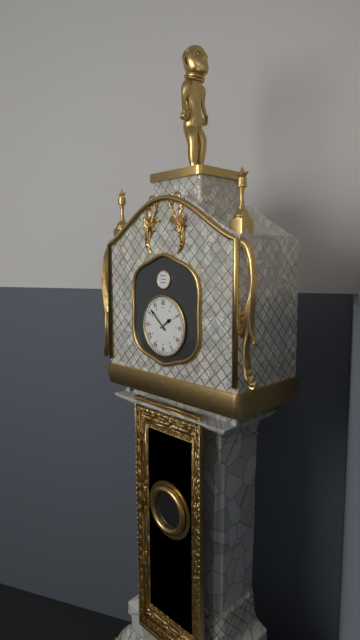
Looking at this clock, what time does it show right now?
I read 1:52
